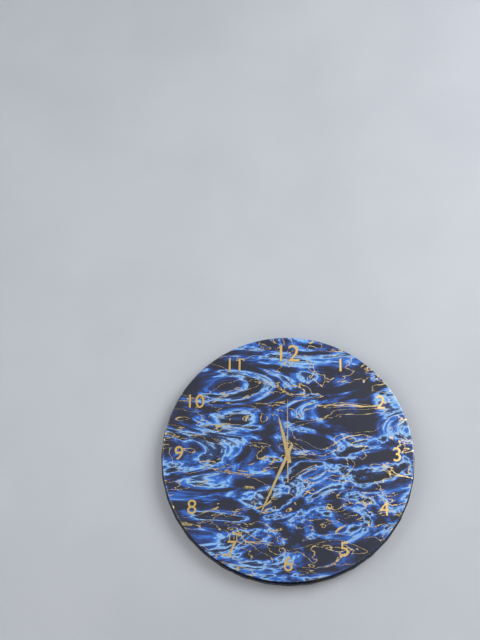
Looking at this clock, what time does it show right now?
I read 11:34:00
